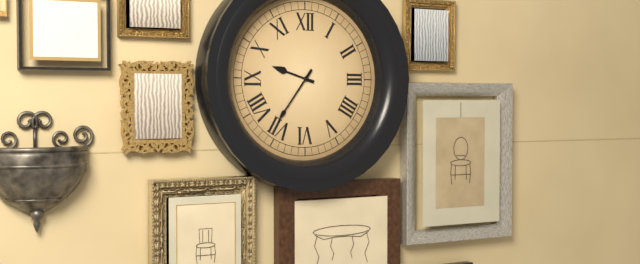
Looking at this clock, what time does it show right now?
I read 9:36
